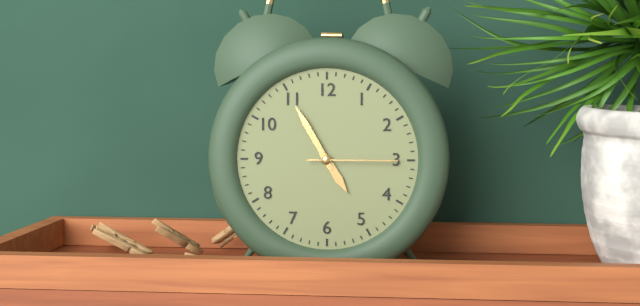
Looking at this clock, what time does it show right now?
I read 4:55:15
